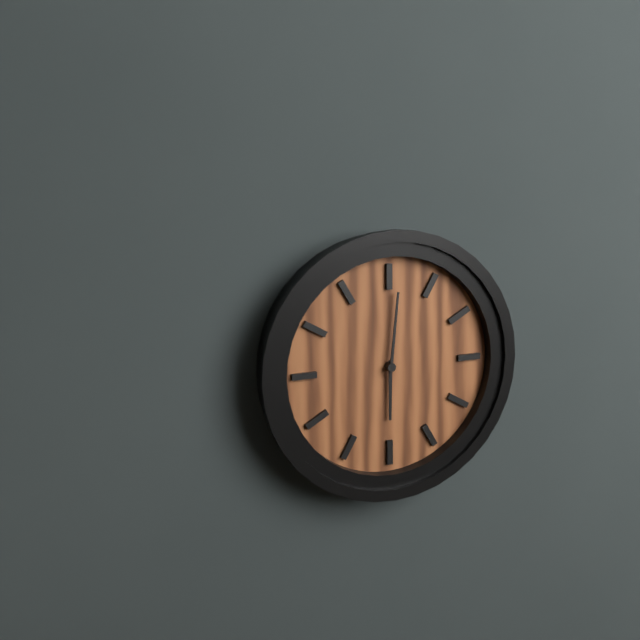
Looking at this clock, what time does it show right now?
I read 6:01
